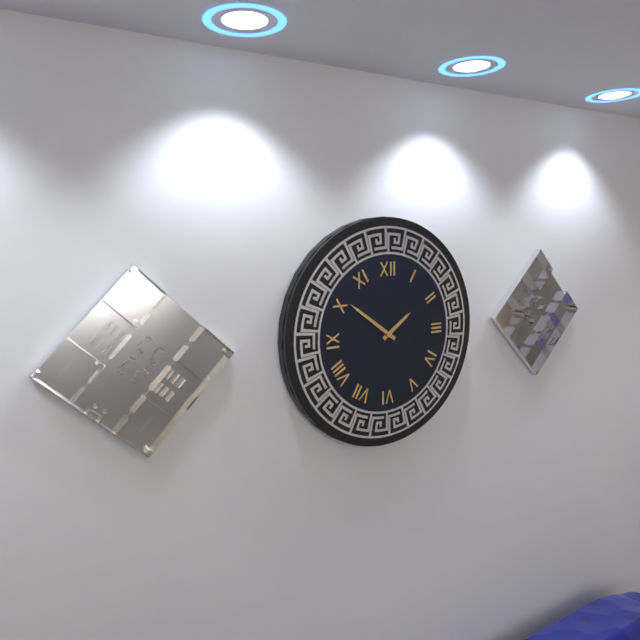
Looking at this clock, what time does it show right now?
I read 1:51
